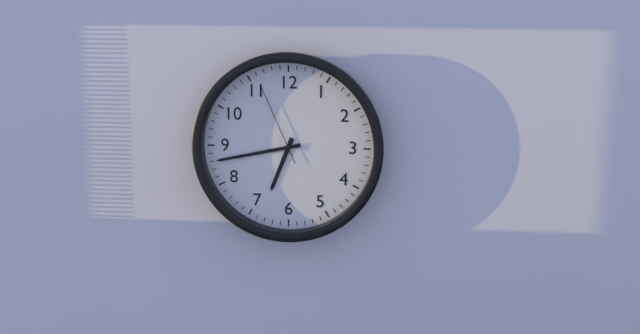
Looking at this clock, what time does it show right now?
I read 6:43:56
